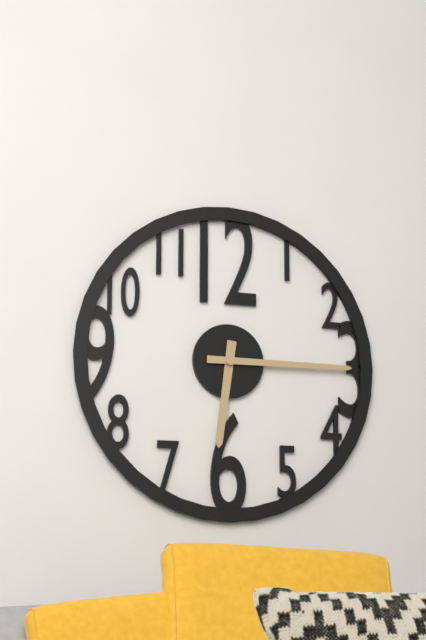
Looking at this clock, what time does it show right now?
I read 6:15
